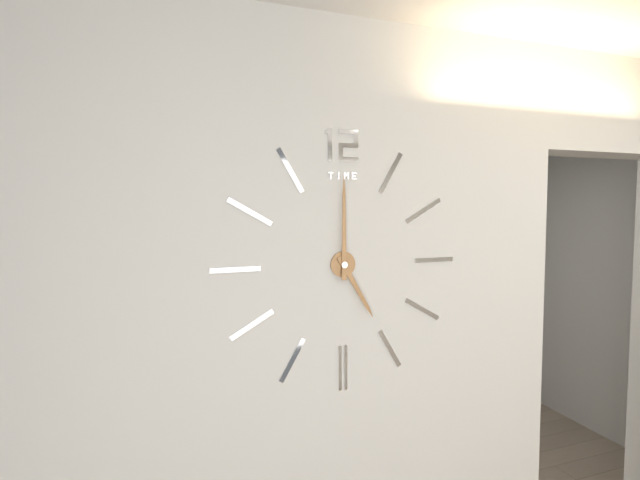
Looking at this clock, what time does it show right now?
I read 5:00
